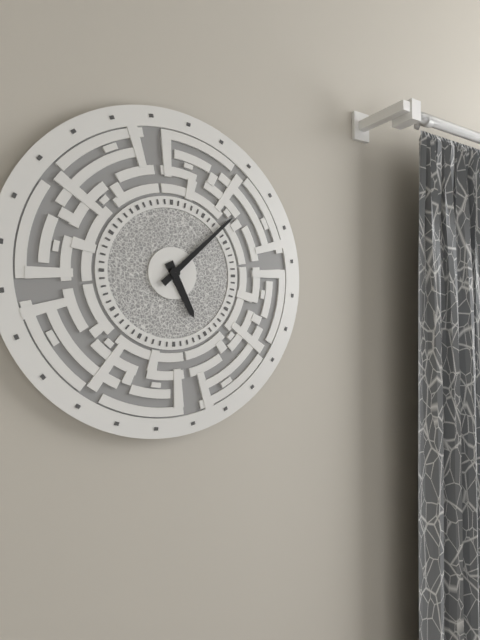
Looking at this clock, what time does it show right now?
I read 5:08
